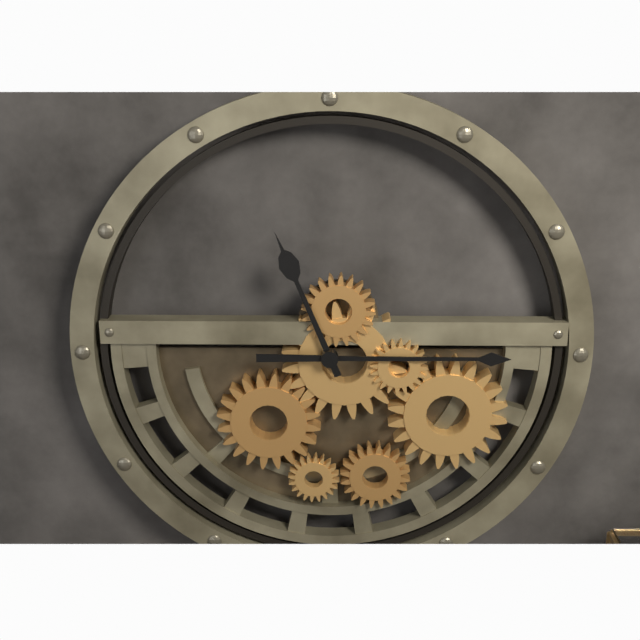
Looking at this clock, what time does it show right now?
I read 11:15
